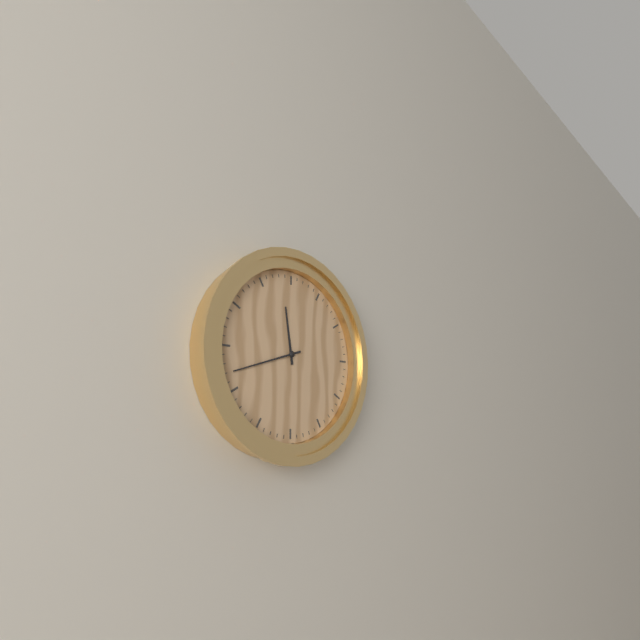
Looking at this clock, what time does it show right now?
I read 11:42
